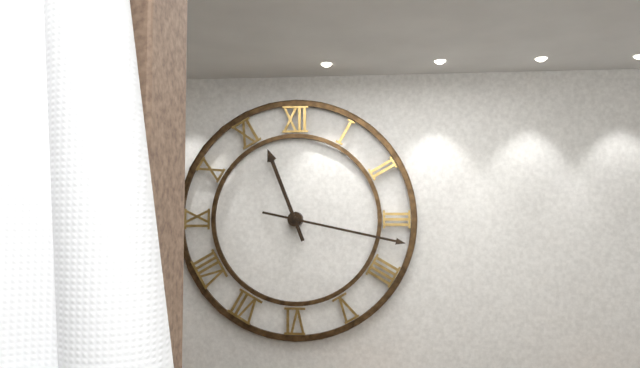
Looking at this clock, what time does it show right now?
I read 11:17
